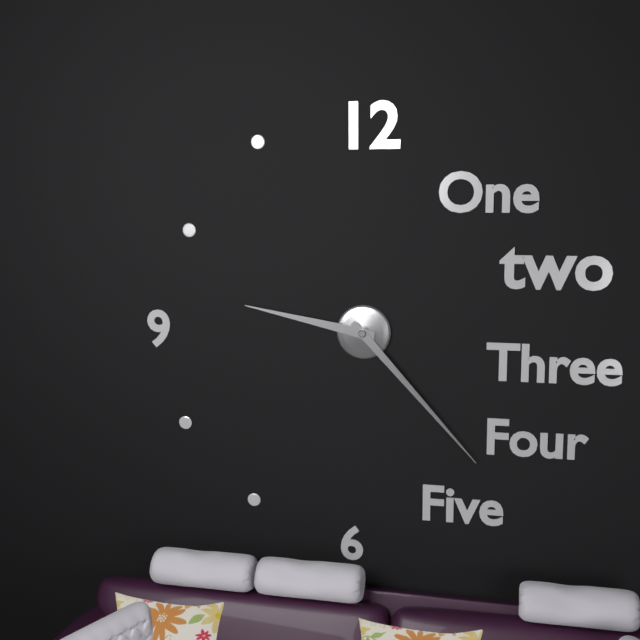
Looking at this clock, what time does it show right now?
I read 9:23
